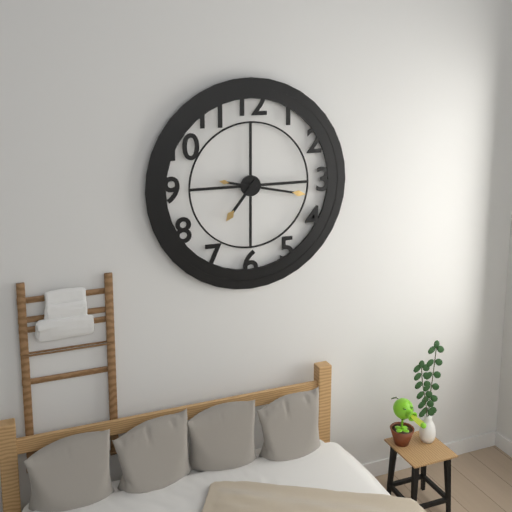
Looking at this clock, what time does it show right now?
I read 7:17
